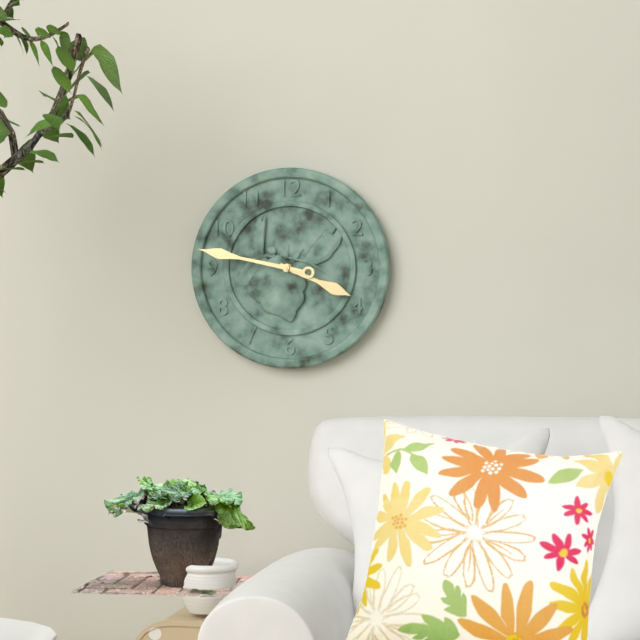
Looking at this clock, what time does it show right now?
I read 3:47
